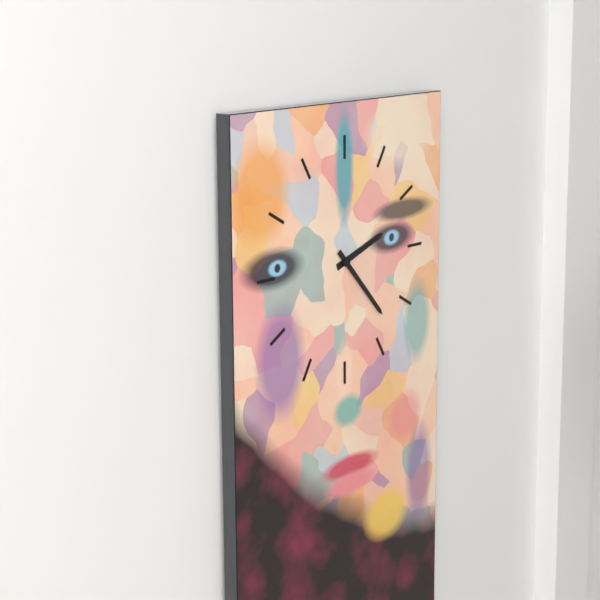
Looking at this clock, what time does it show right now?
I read 2:23
